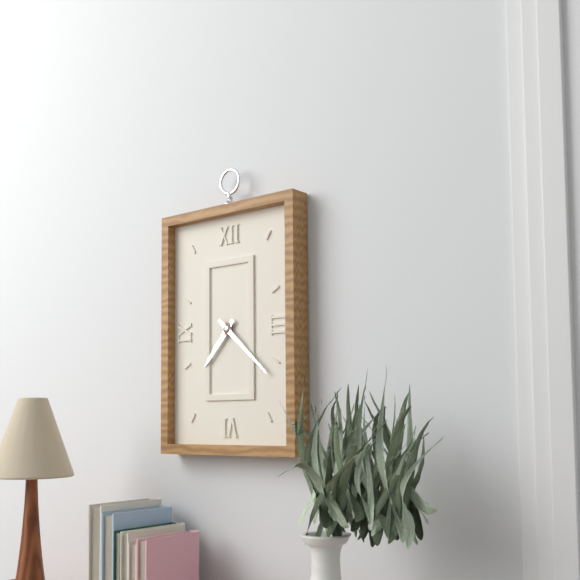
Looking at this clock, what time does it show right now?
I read 7:22
